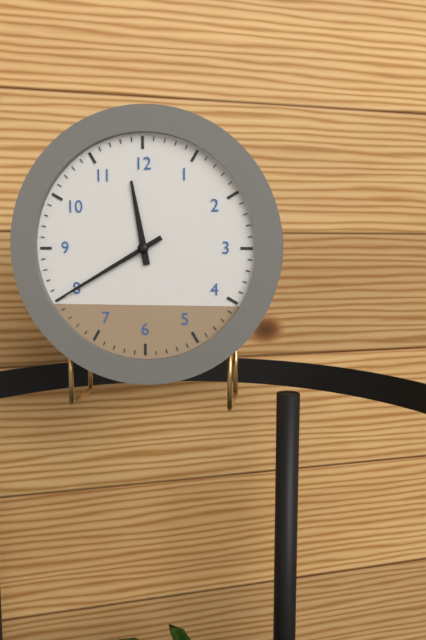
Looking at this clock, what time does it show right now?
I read 11:40
